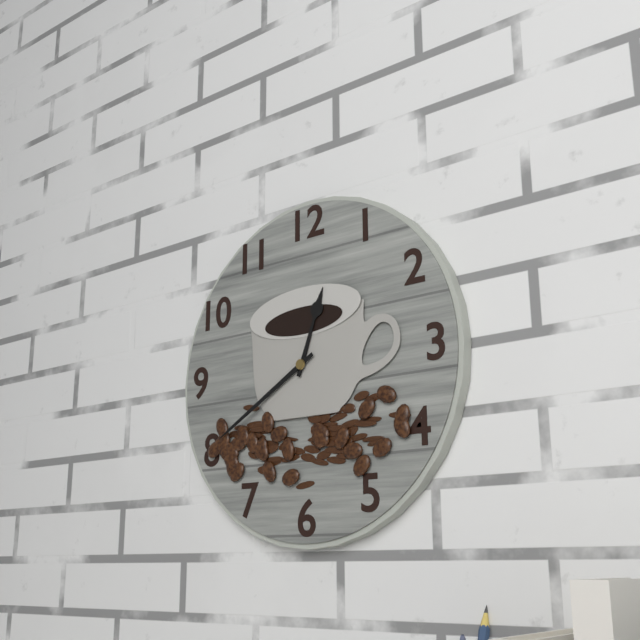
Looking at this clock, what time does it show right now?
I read 12:40
